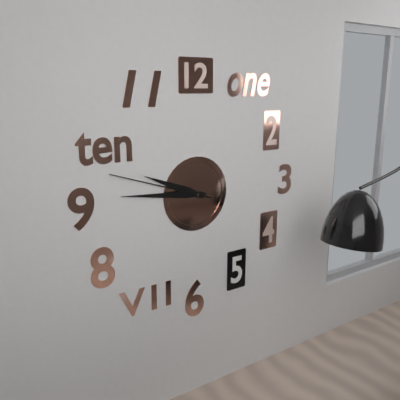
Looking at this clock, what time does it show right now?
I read 9:46:48
